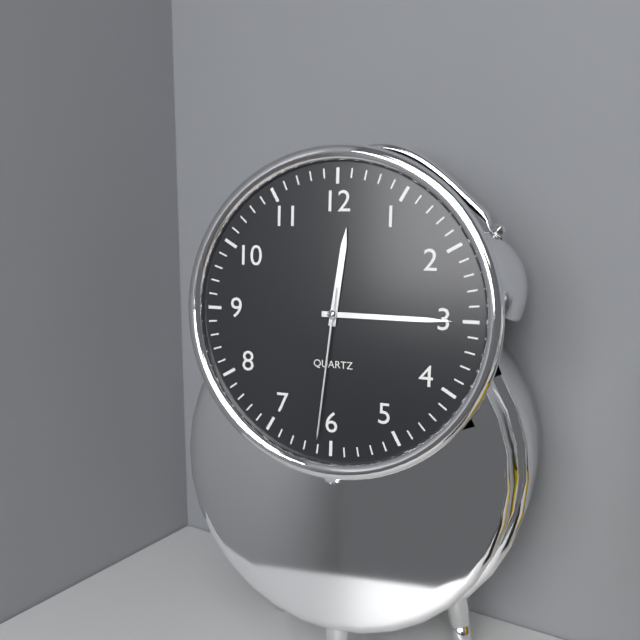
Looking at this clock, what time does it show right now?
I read 12:15:31
